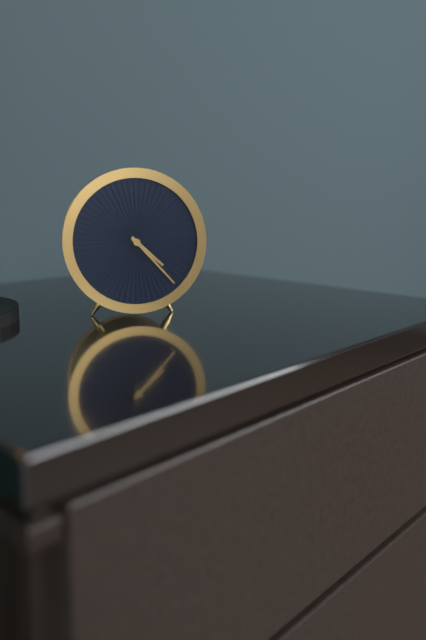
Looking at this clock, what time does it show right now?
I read 4:23
